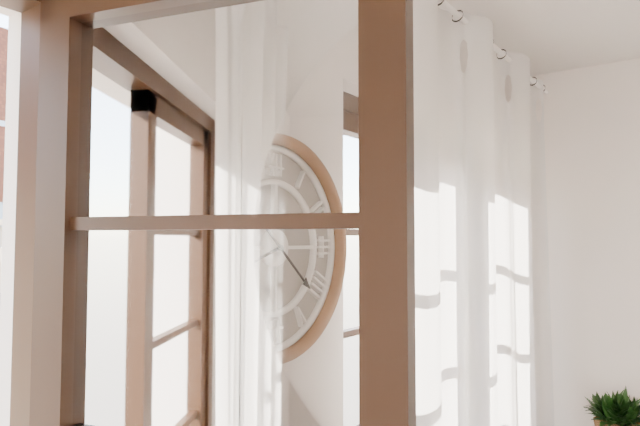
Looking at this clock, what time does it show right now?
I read 8:22
